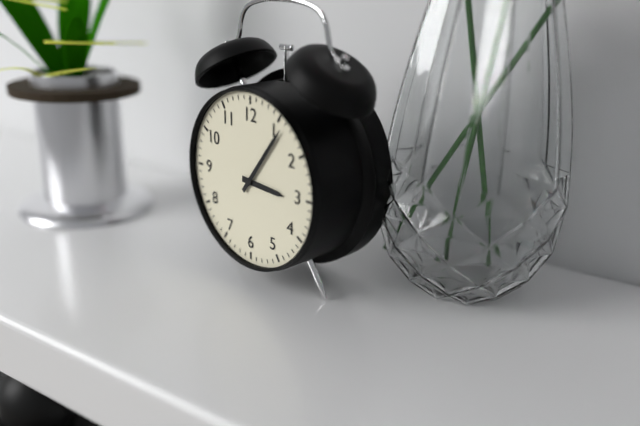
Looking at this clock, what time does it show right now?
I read 3:06
